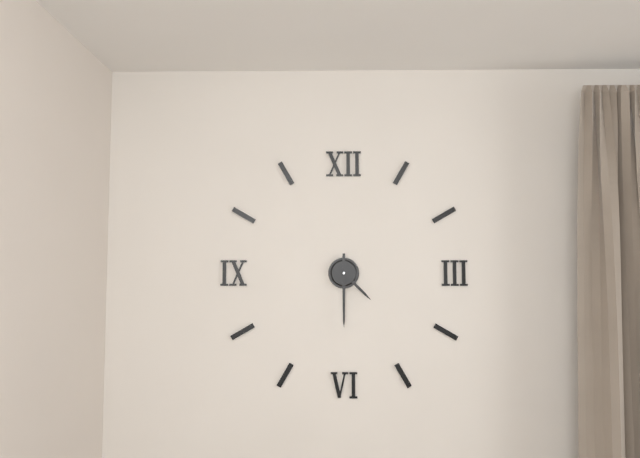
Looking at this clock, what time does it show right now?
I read 4:30
